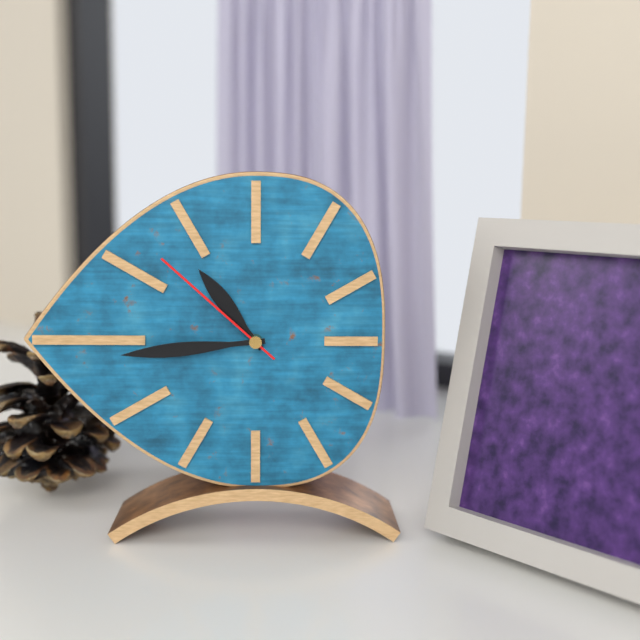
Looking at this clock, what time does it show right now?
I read 10:44:52
